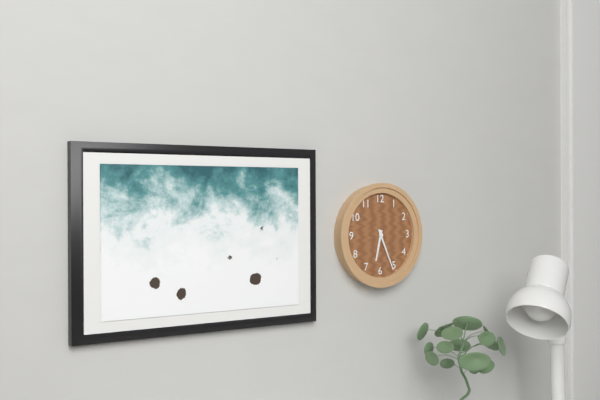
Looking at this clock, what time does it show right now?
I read 6:26
